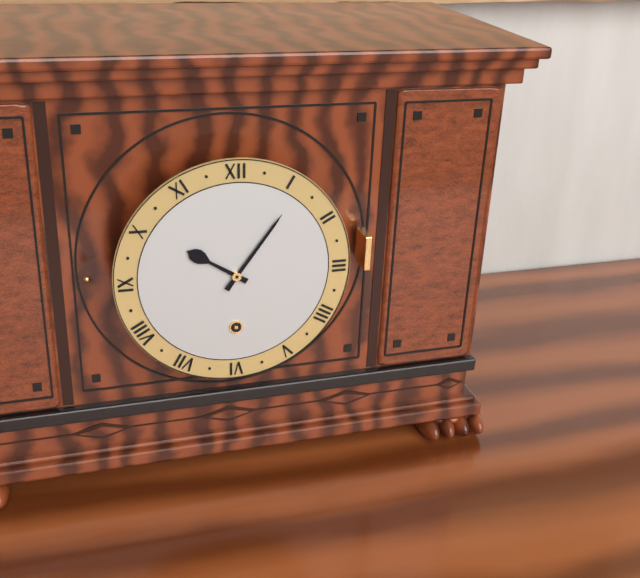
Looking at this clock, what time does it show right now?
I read 10:06
